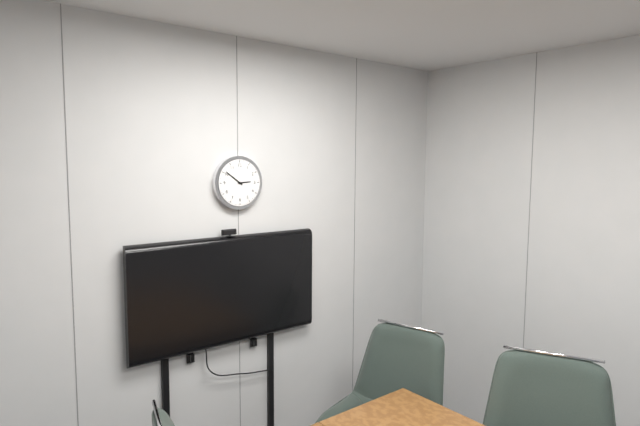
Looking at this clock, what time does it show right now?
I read 2:51
